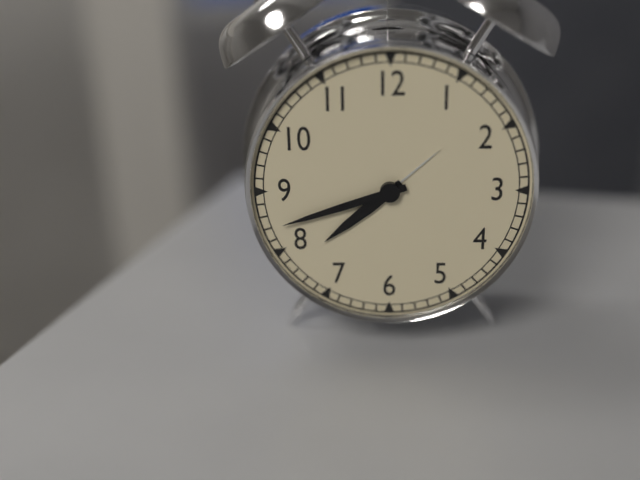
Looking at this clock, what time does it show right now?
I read 7:42
